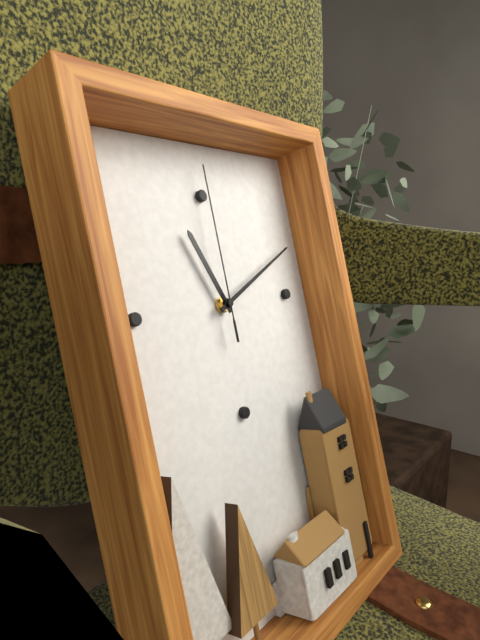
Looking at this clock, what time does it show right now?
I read 11:11:00
